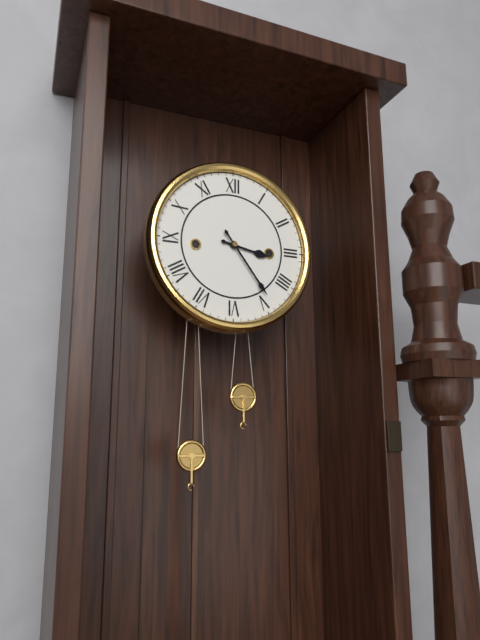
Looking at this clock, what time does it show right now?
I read 3:24
